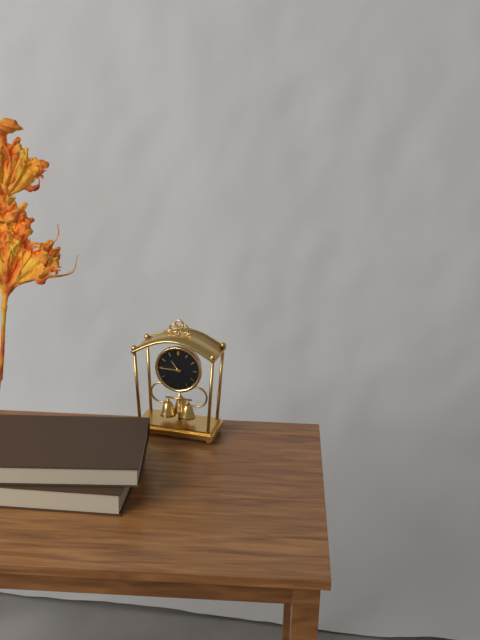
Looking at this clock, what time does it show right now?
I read 10:45
